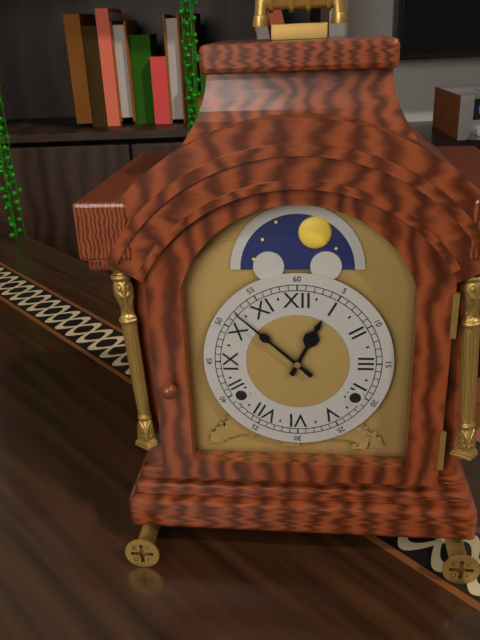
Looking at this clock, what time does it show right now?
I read 12:52
